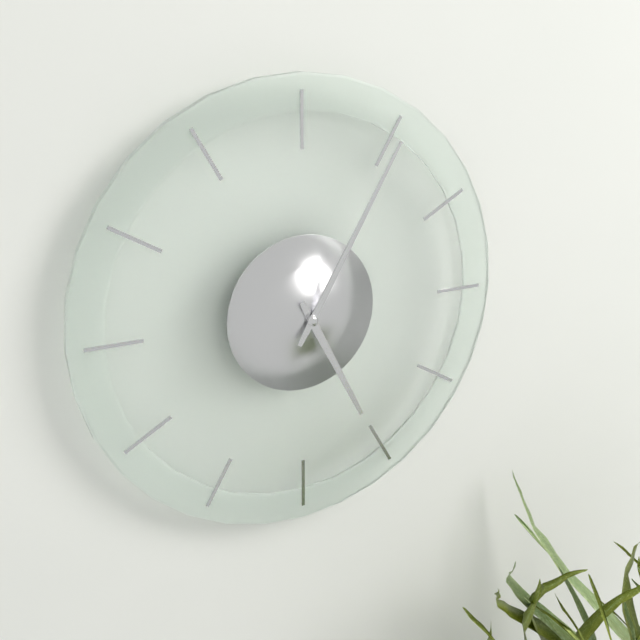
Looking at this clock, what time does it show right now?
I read 5:05
